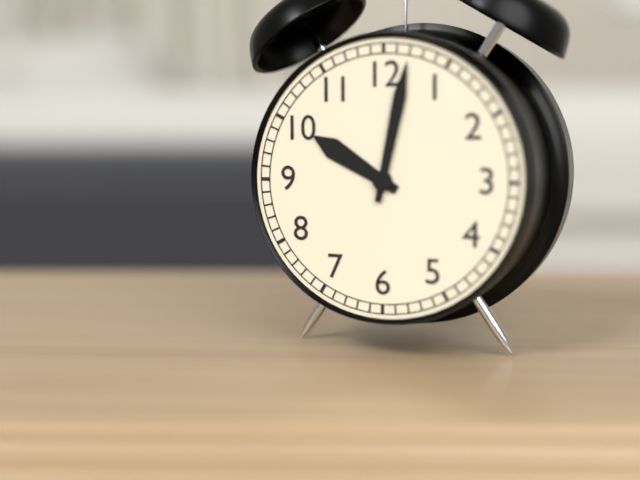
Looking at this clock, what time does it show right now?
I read 10:02
